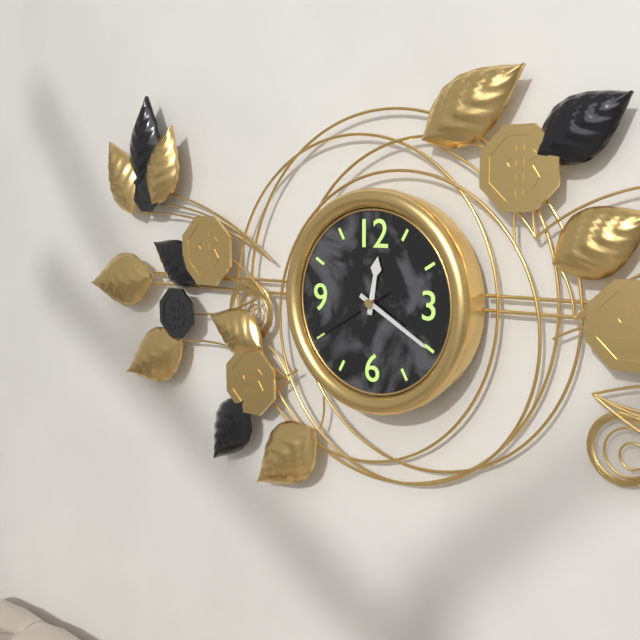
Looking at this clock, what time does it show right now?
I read 12:20:40
